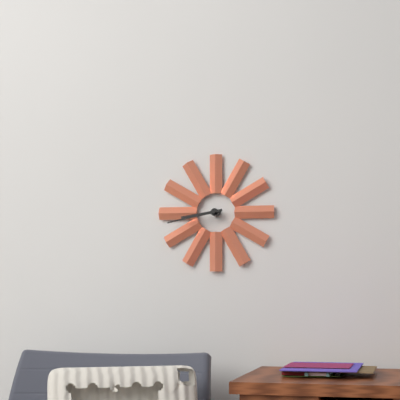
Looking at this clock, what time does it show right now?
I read 8:43
